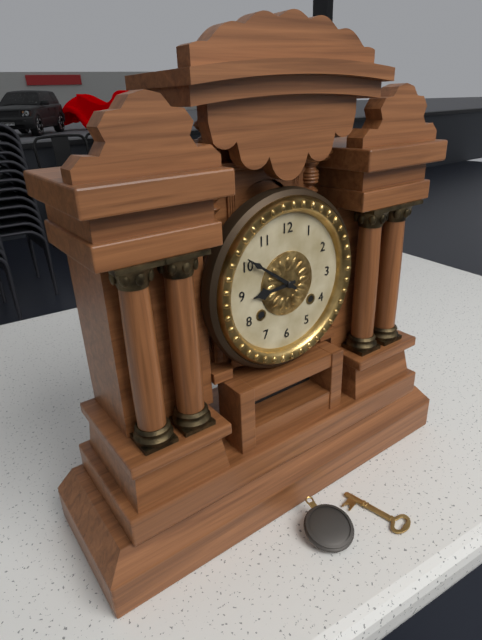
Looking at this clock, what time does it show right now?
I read 8:51
